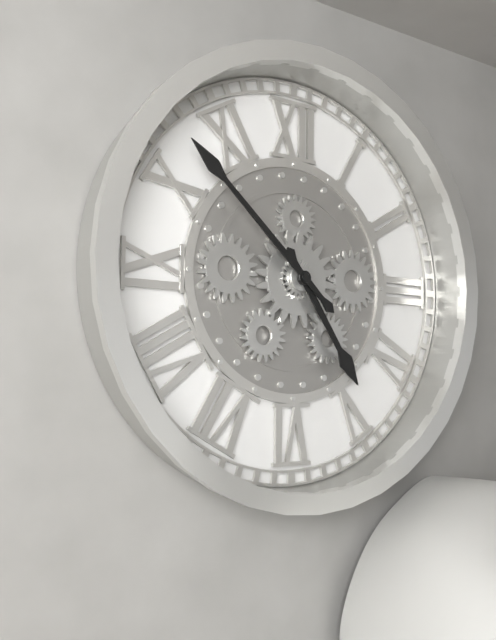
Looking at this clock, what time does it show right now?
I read 4:52
